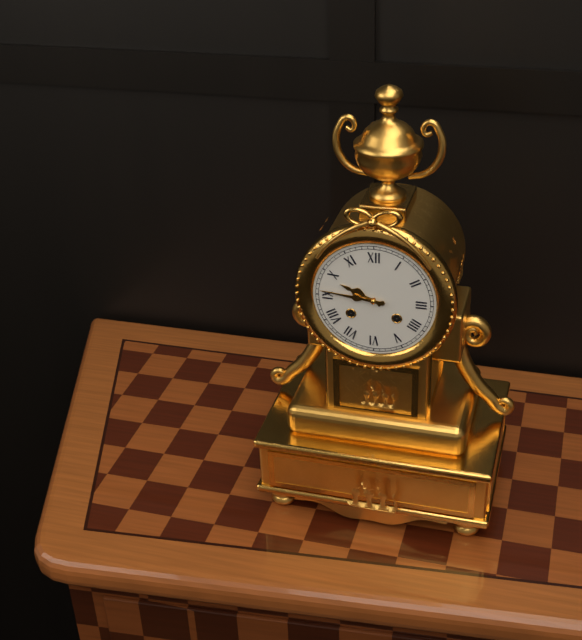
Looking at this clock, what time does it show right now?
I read 9:46
